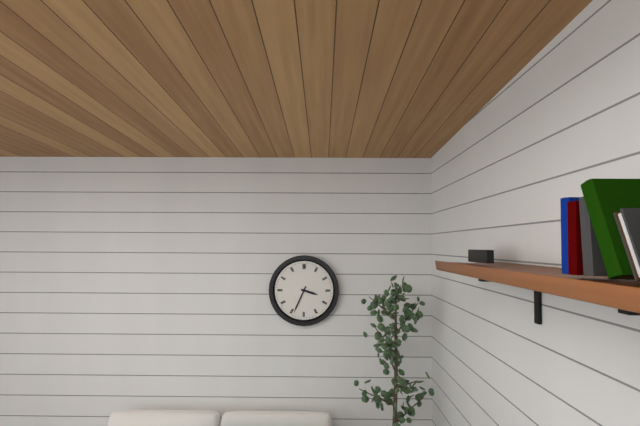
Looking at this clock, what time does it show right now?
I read 3:34
